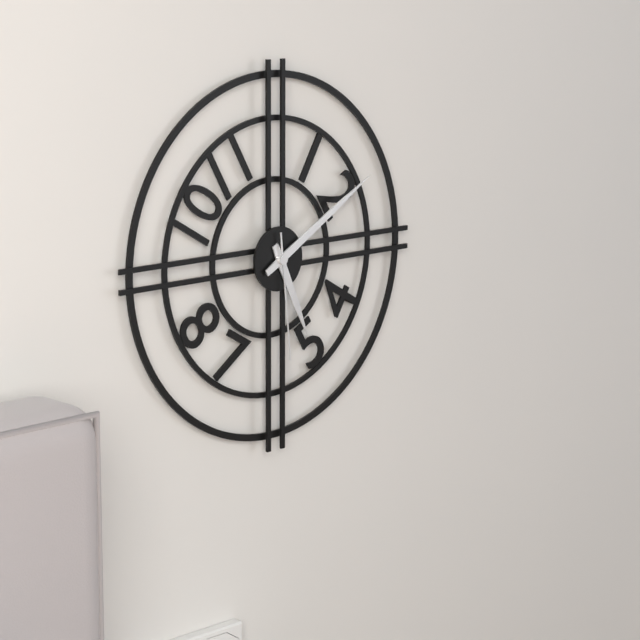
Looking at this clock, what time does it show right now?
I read 5:10:29
